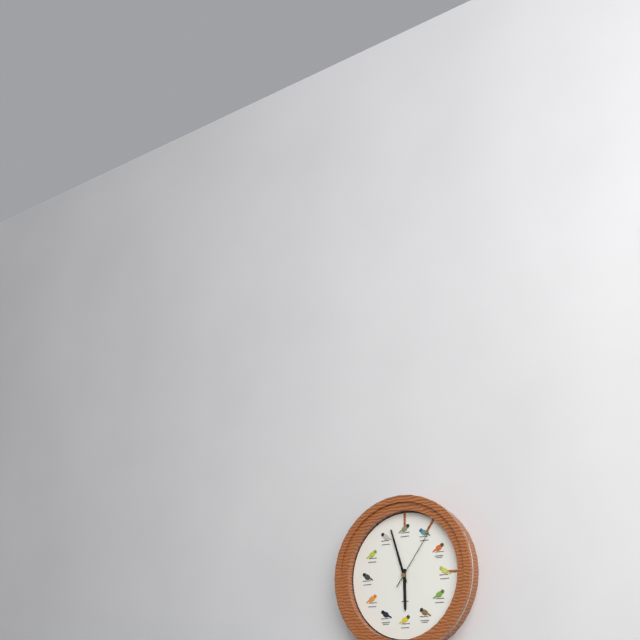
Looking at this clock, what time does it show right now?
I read 5:57:06
